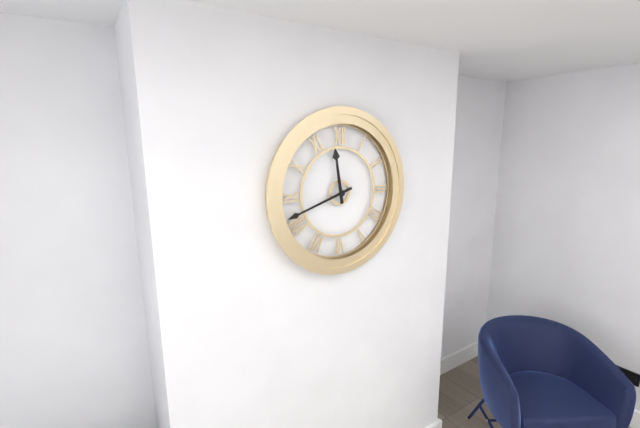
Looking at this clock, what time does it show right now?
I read 11:42
